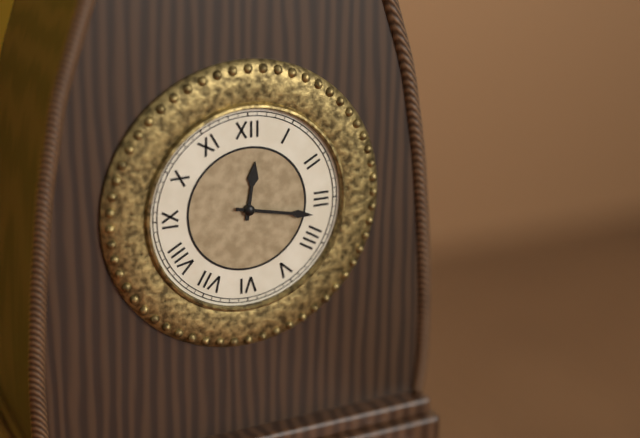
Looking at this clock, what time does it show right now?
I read 12:17
